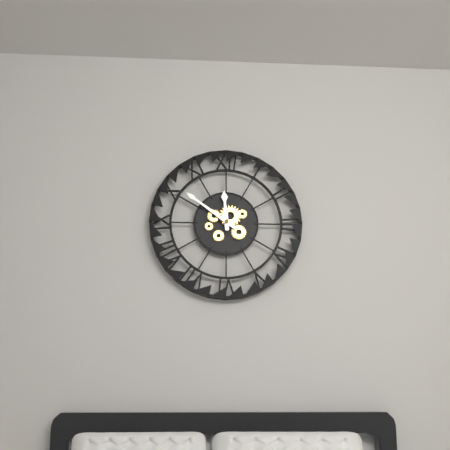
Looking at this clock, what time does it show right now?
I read 11:51
